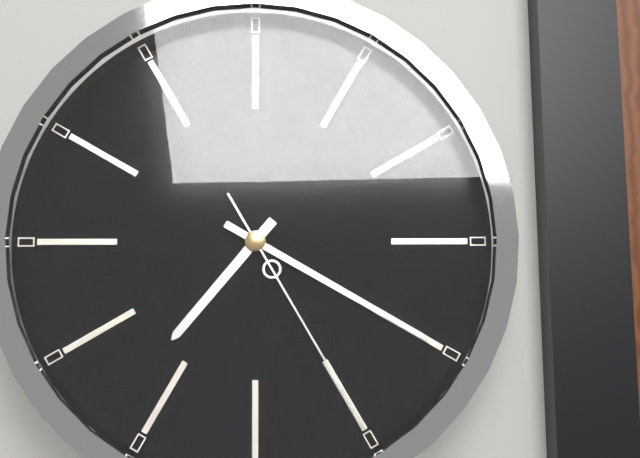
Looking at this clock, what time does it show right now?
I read 7:20:25
